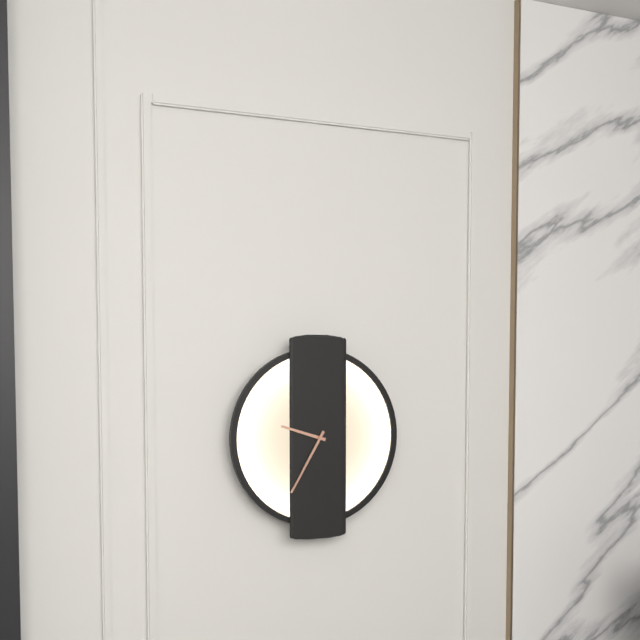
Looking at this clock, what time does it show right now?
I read 9:35
